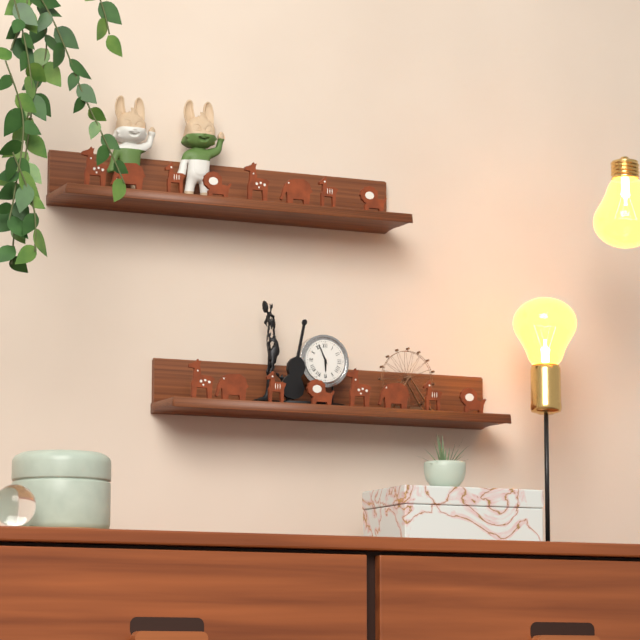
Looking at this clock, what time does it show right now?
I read 5:56
